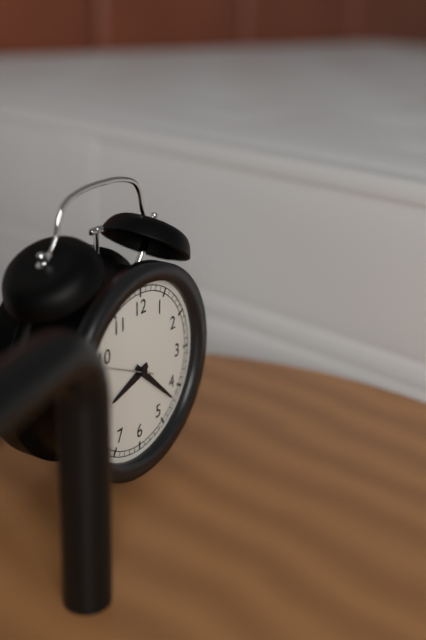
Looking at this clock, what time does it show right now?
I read 8:22:49
